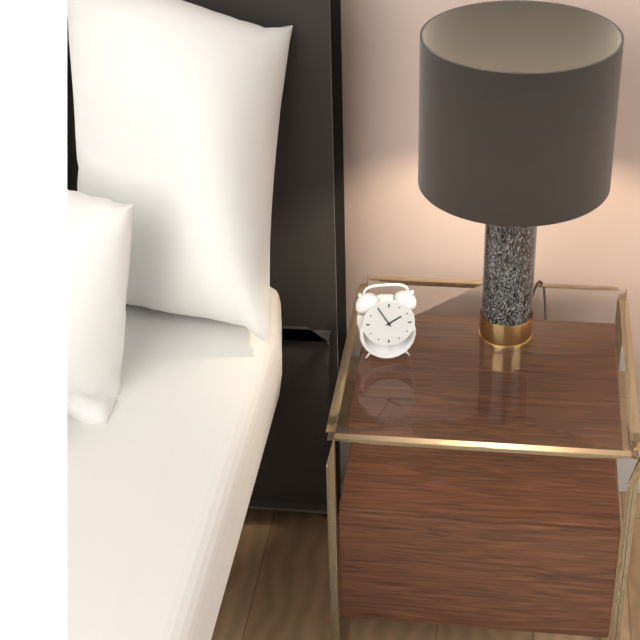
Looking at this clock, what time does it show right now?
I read 1:55
